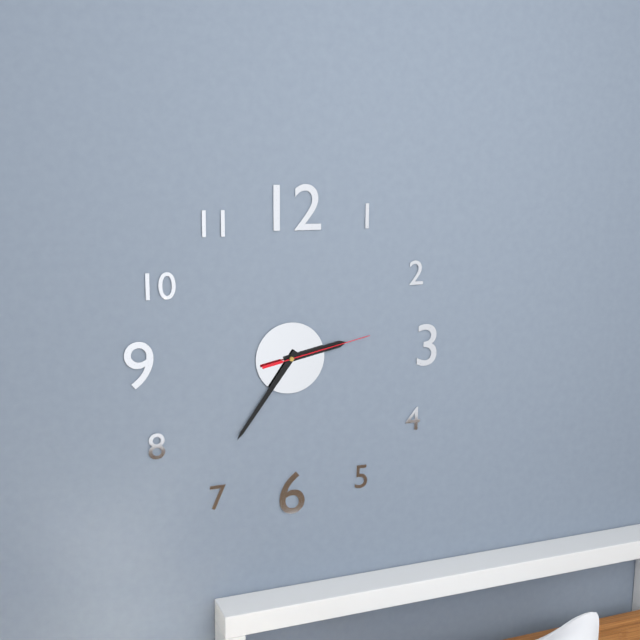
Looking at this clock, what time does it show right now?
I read 2:36:13
